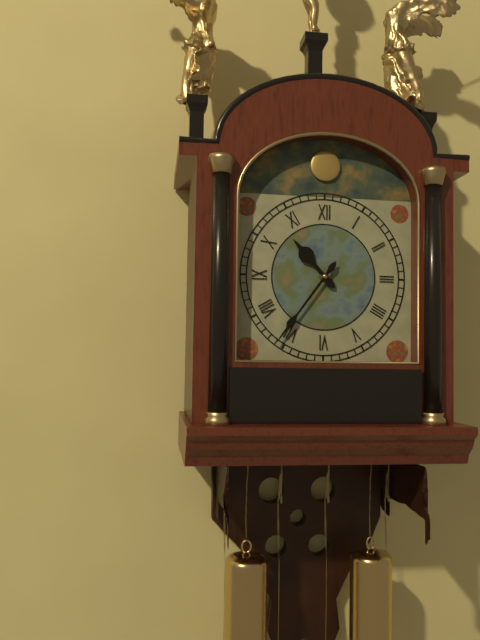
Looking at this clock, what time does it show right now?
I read 10:36
